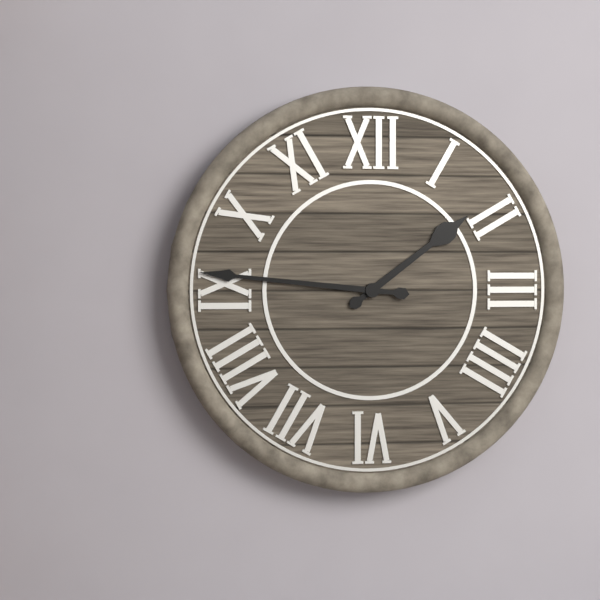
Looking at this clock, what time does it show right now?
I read 1:46
